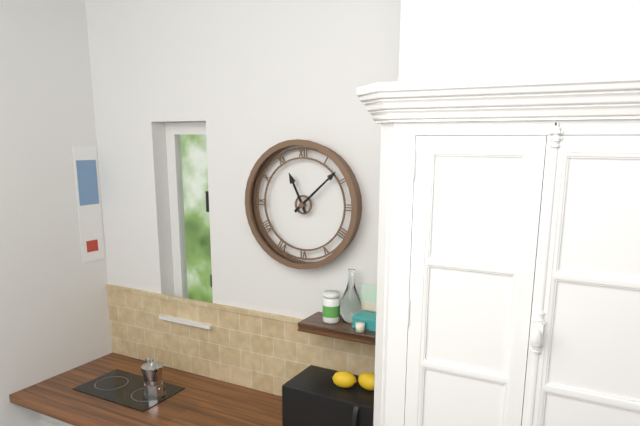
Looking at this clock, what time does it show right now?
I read 11:08
